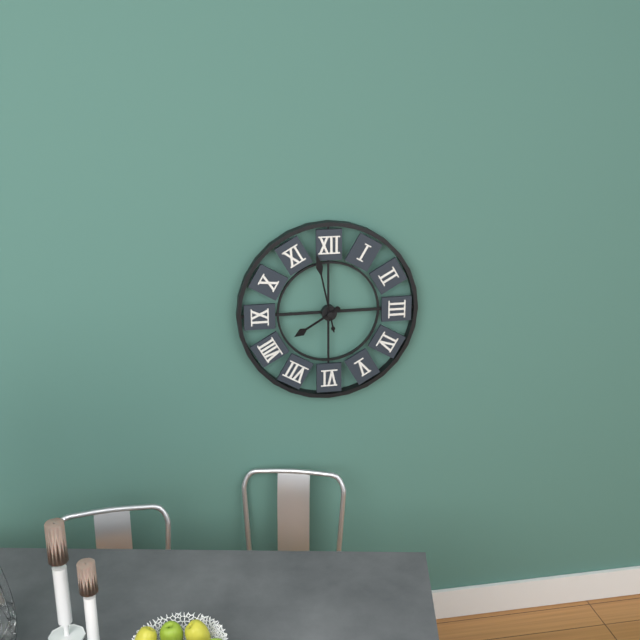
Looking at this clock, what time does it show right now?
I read 7:58
